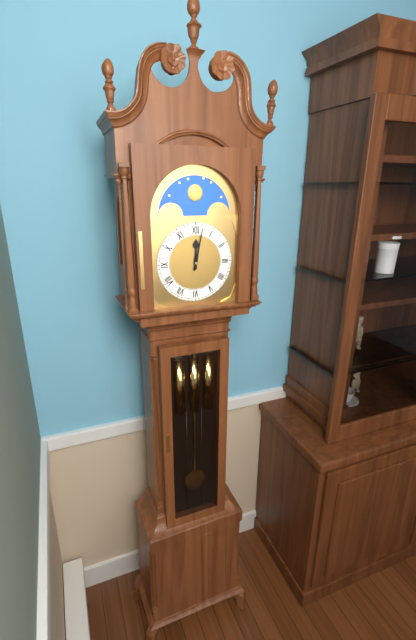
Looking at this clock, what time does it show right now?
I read 12:02
